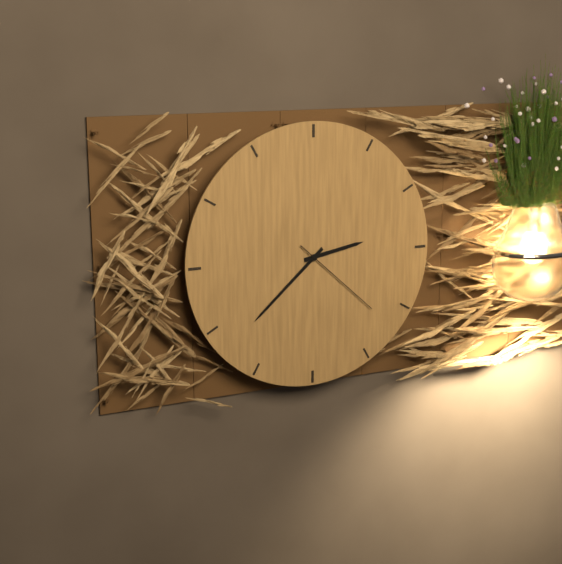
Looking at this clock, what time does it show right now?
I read 2:38:22
